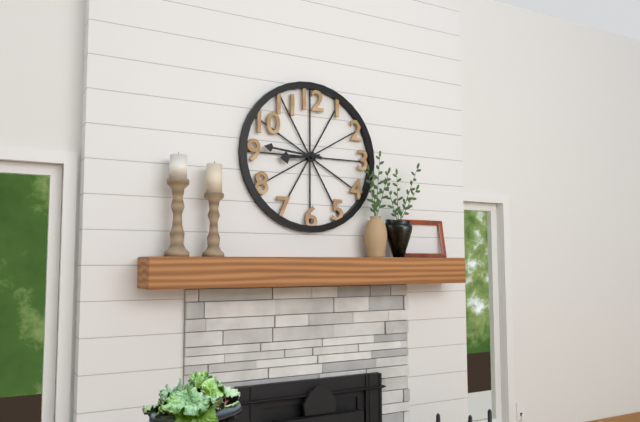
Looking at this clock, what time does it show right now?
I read 8:46
